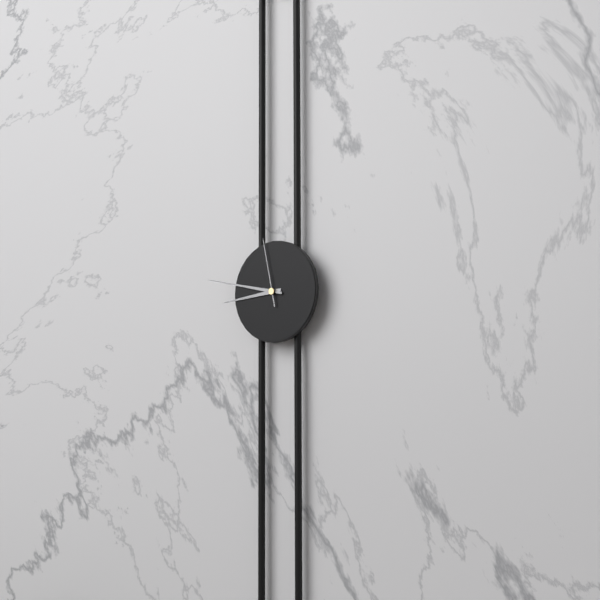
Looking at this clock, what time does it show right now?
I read 8:47:58
